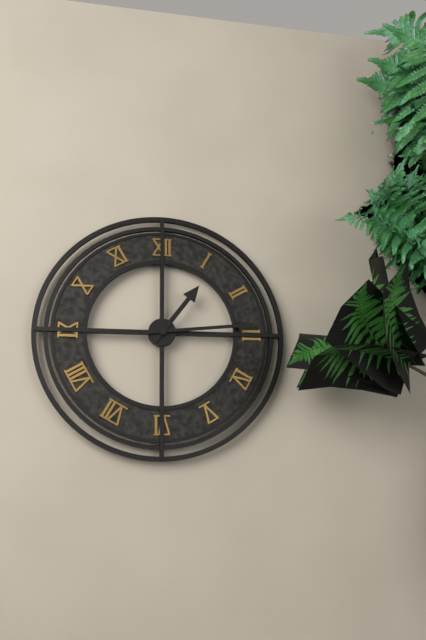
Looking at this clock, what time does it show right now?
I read 1:14
